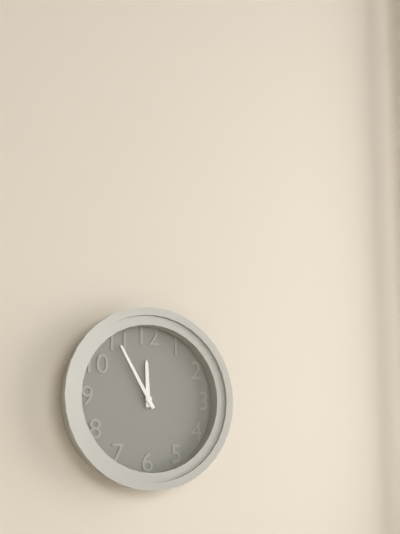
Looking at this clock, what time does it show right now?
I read 11:55
